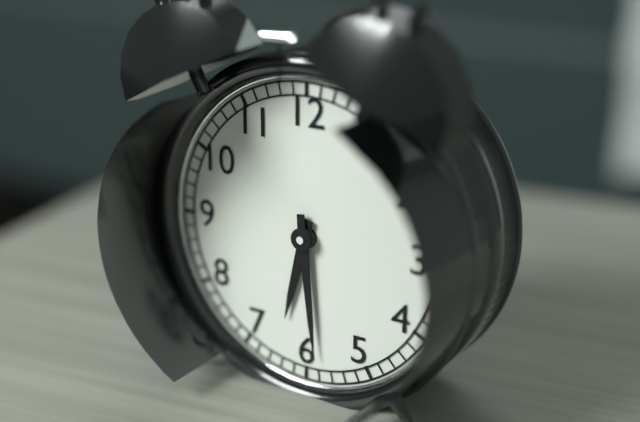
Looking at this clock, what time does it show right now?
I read 6:29
